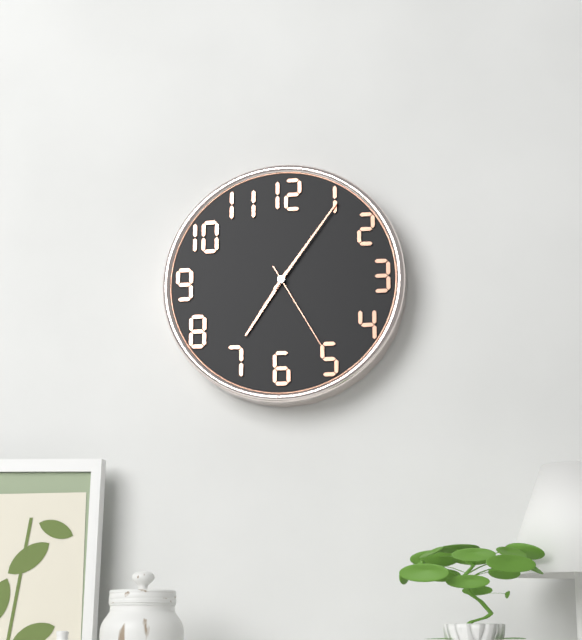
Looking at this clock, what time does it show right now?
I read 7:06:25
